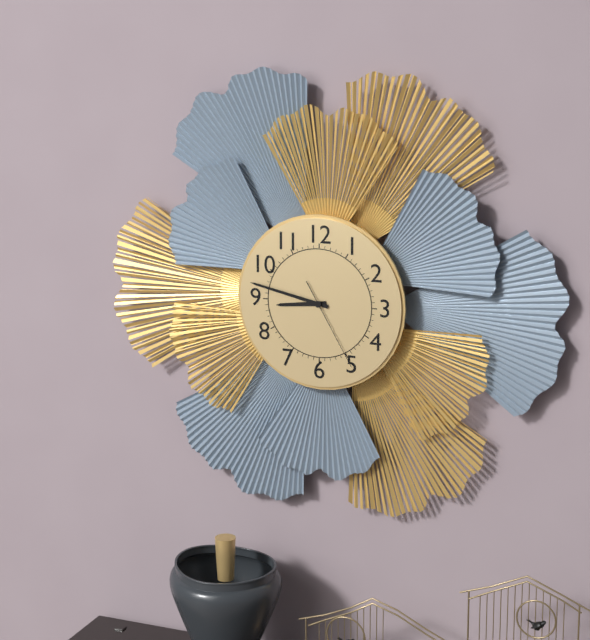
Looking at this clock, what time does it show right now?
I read 8:47:25
